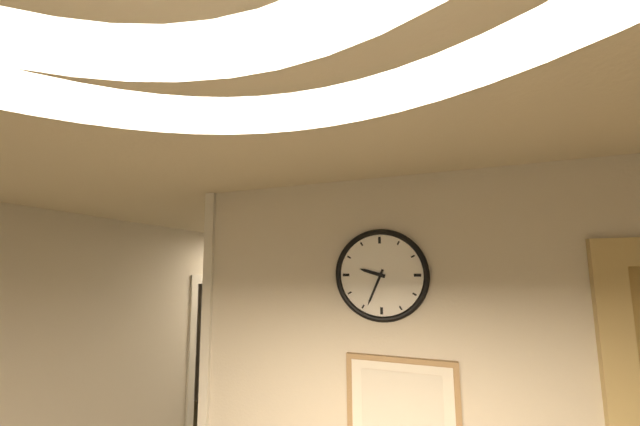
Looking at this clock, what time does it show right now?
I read 9:34
